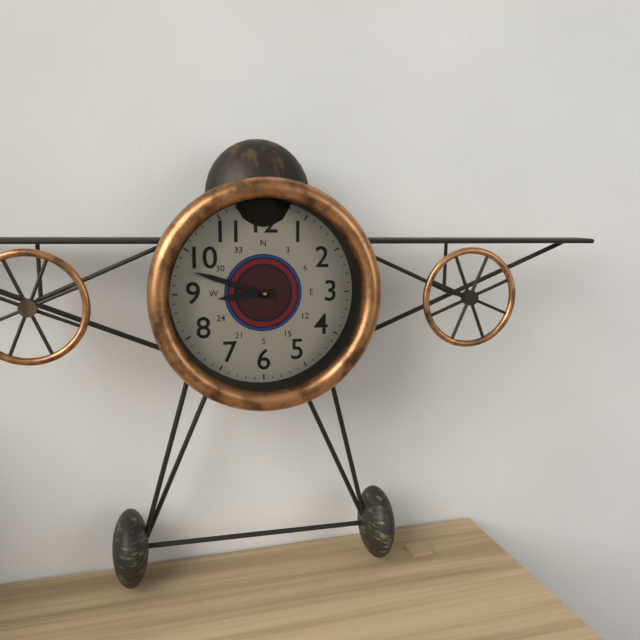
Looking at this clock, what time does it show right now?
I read 8:48
